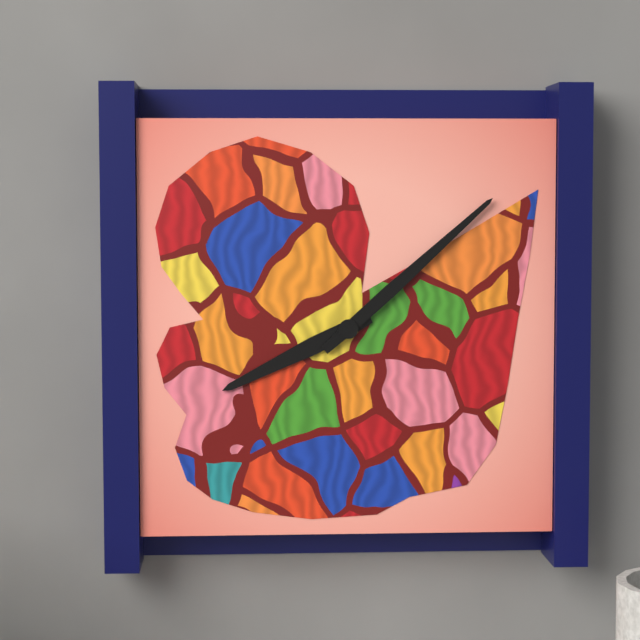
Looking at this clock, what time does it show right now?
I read 8:08
